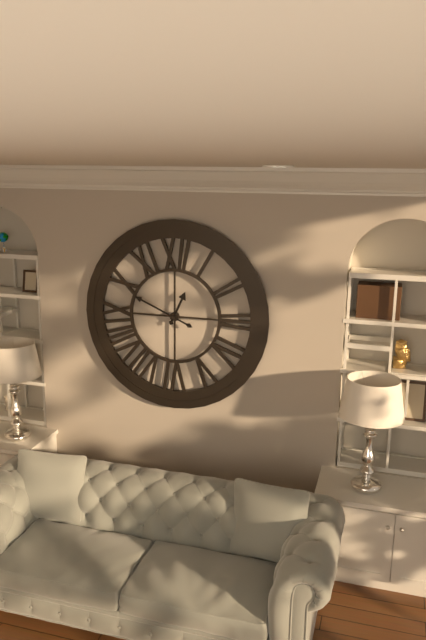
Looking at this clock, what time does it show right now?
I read 12:49
